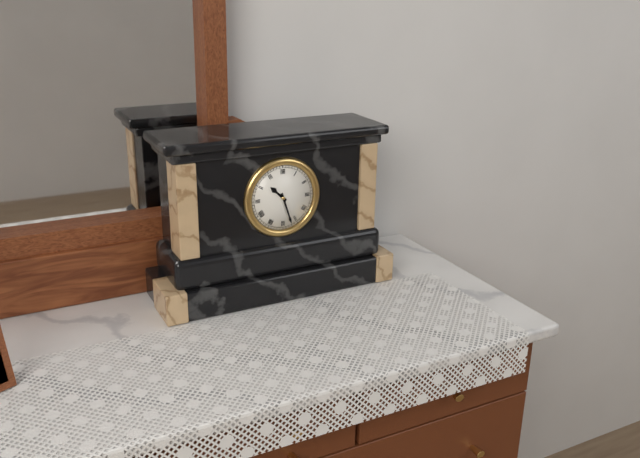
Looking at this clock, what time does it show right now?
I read 10:27
